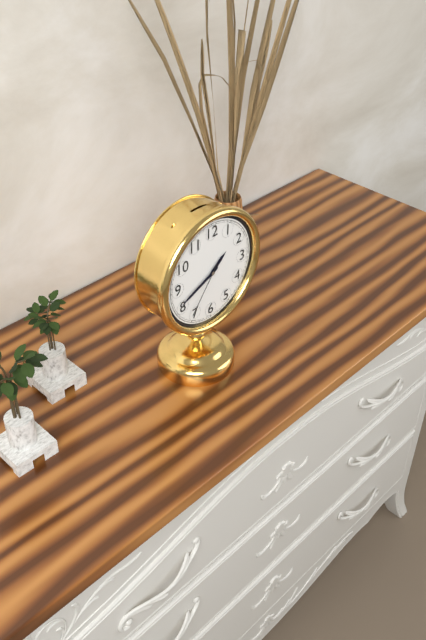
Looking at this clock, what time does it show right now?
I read 1:41:36
